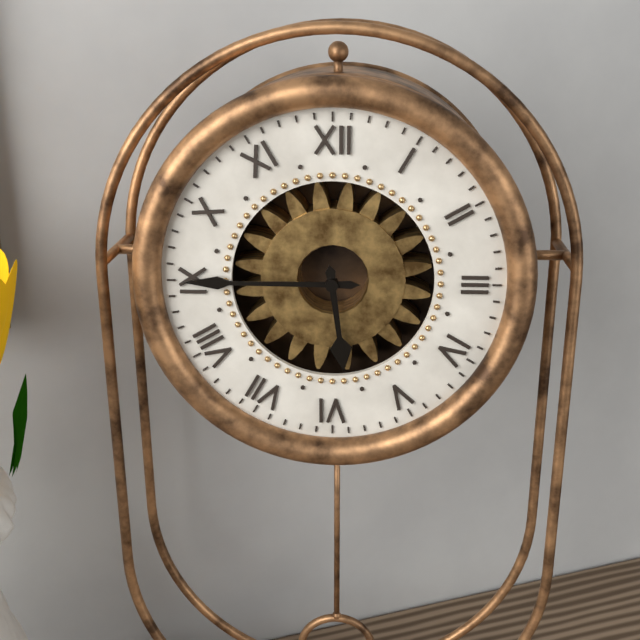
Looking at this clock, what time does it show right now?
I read 5:45
